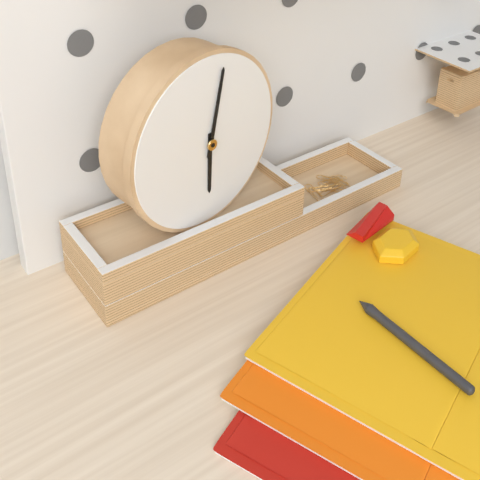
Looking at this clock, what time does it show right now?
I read 6:02
